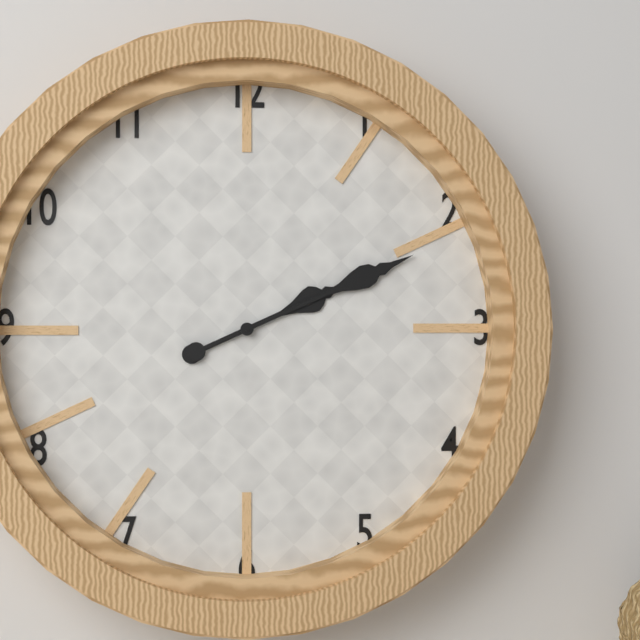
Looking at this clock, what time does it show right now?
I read 2:11
